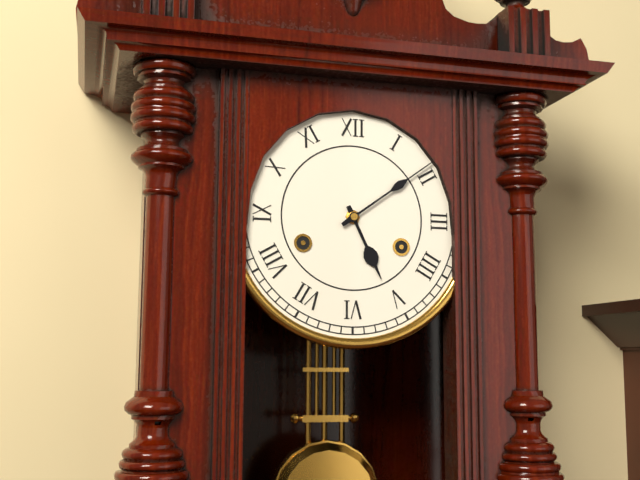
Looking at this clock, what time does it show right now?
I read 5:09
